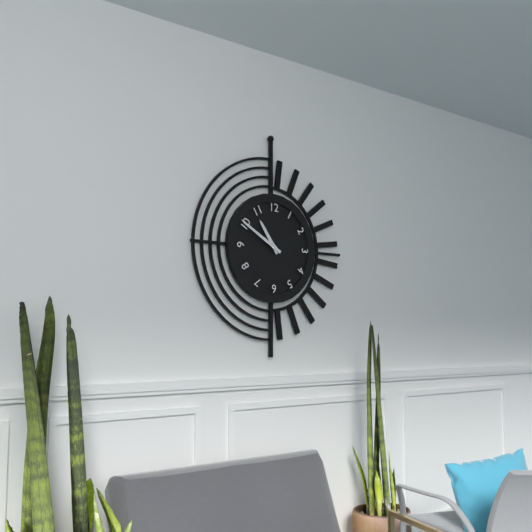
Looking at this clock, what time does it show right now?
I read 10:50
